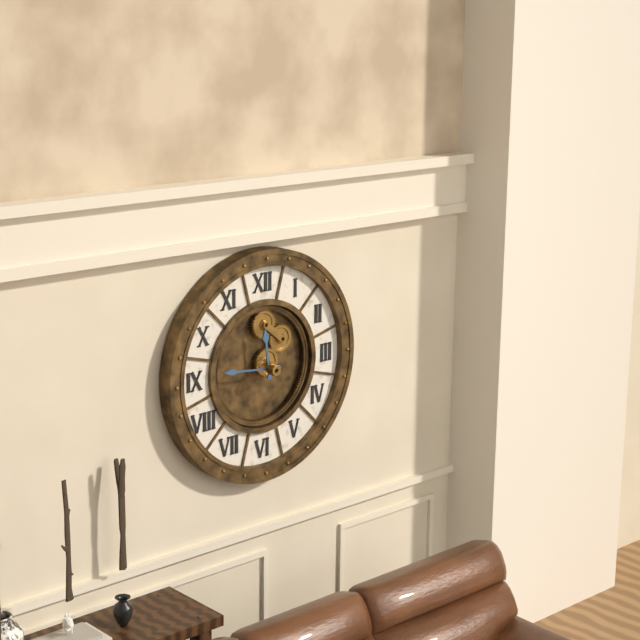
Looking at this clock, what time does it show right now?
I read 11:46
